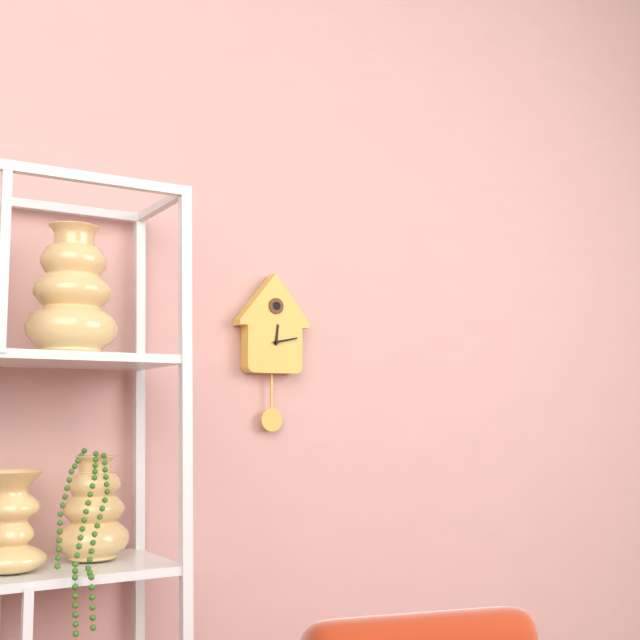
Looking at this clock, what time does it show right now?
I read 12:13
